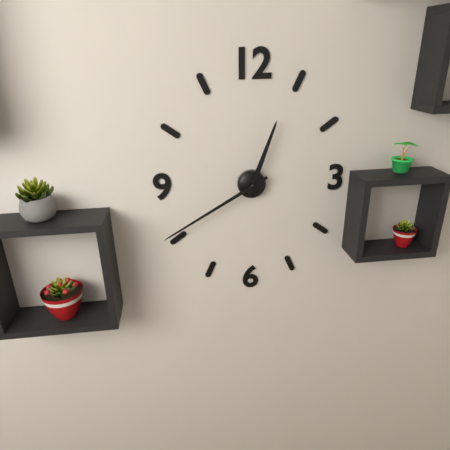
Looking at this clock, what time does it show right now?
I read 12:40
